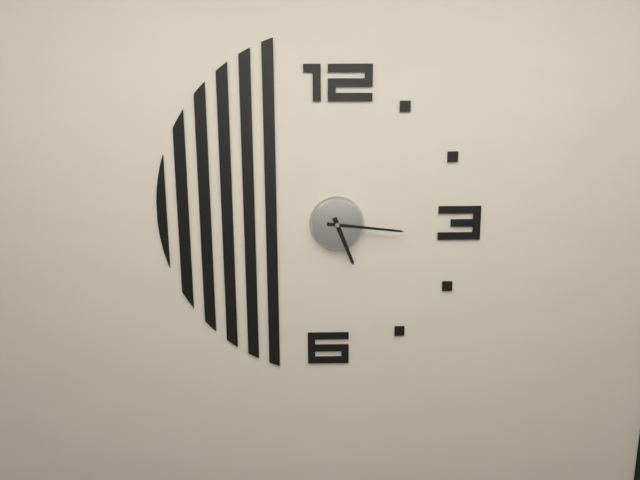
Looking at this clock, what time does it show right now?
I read 5:16
